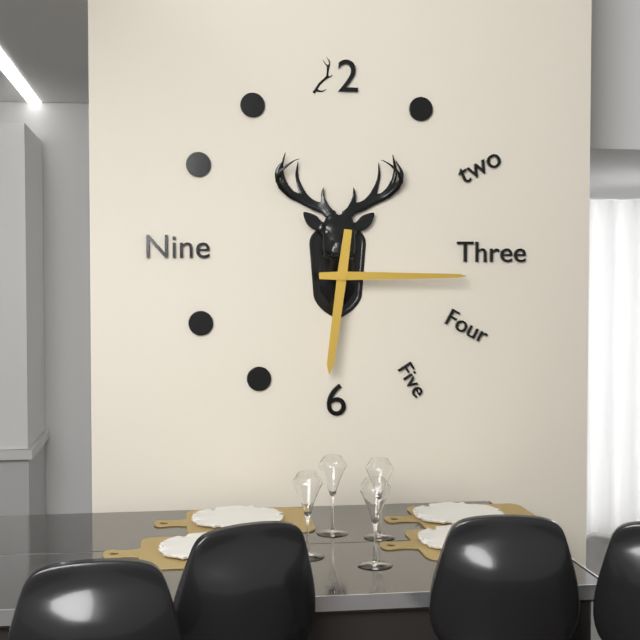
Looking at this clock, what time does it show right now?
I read 6:15
